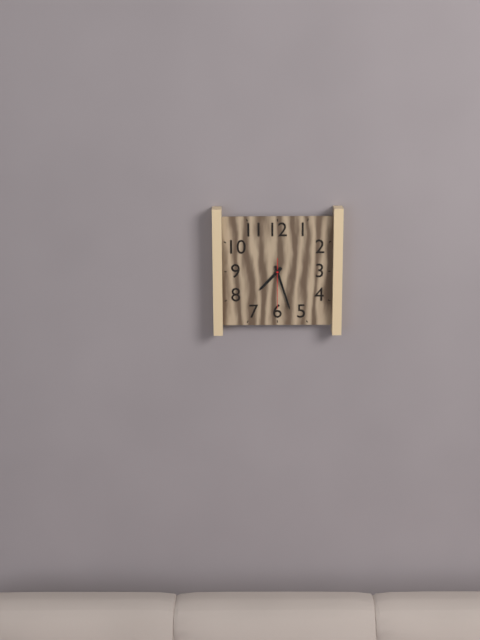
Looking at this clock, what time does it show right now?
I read 7:27
